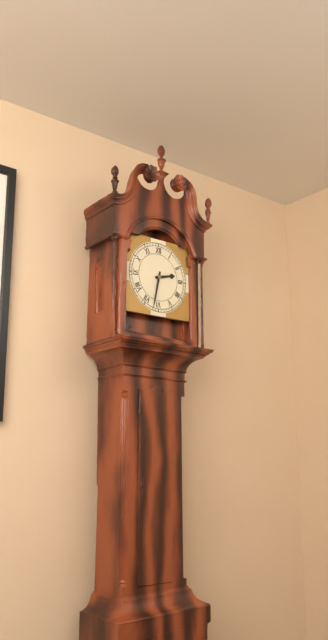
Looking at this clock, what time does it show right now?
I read 2:32
